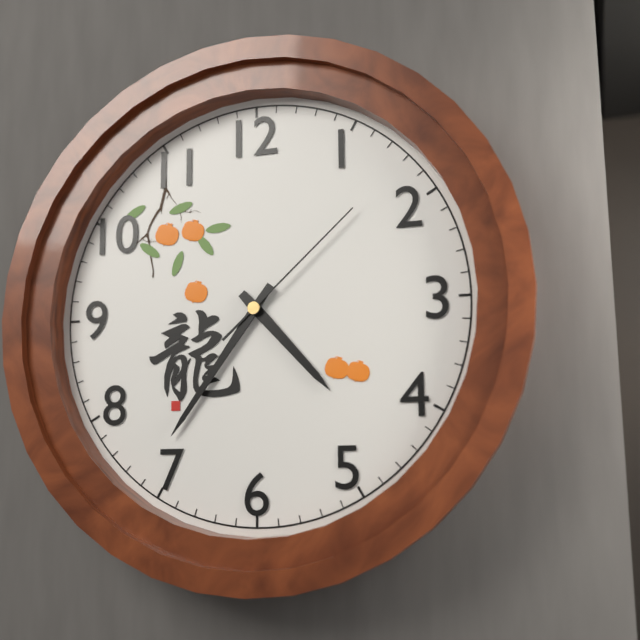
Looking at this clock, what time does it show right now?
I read 4:36:08
